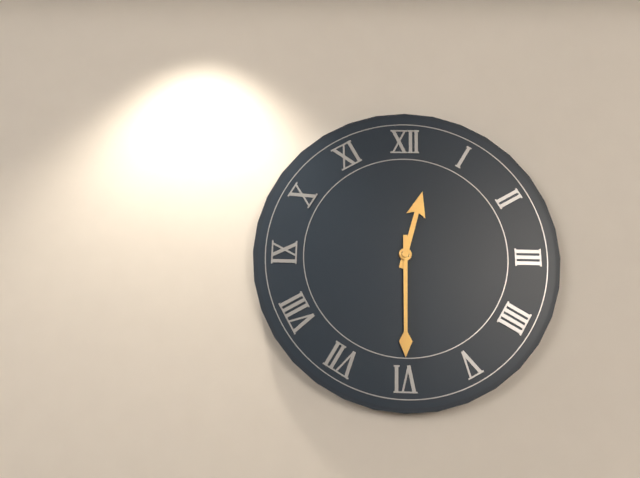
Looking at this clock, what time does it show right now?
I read 12:30
